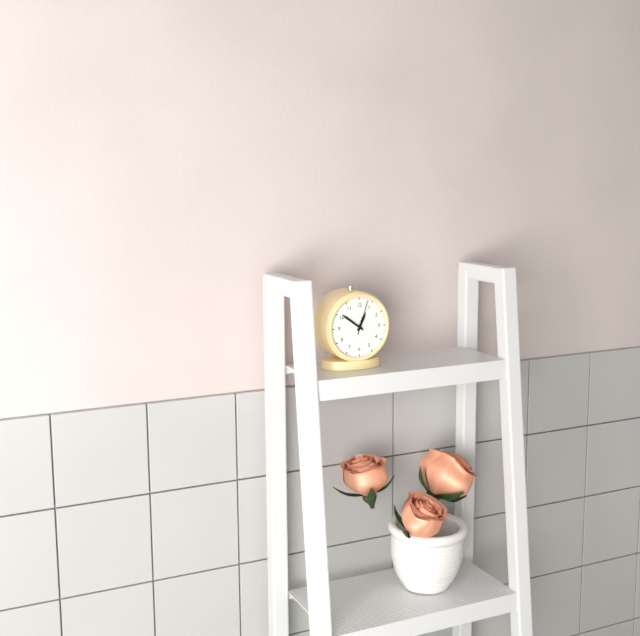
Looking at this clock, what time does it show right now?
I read 12:51
